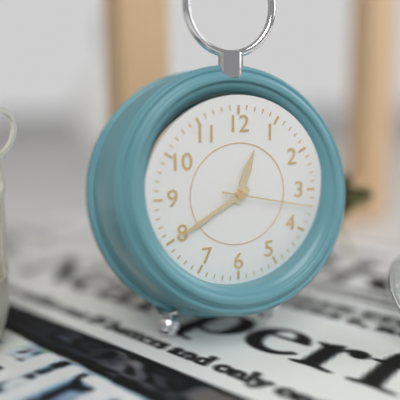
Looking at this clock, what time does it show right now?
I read 12:40:17
